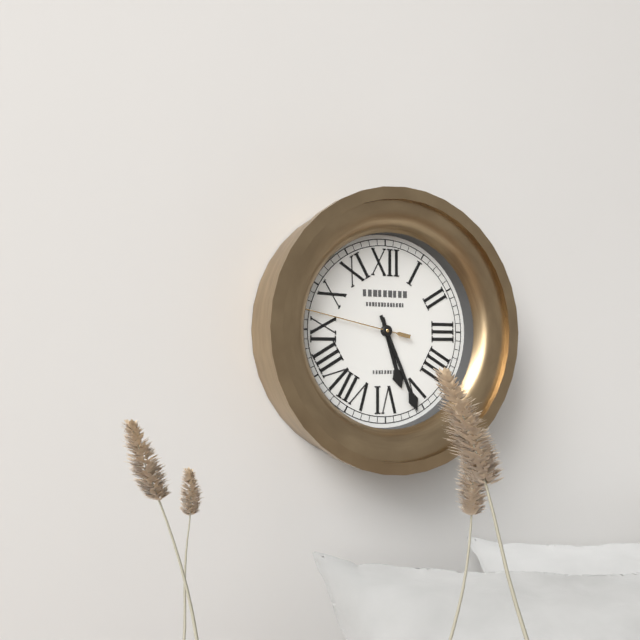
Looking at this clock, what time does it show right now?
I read 5:26:47
